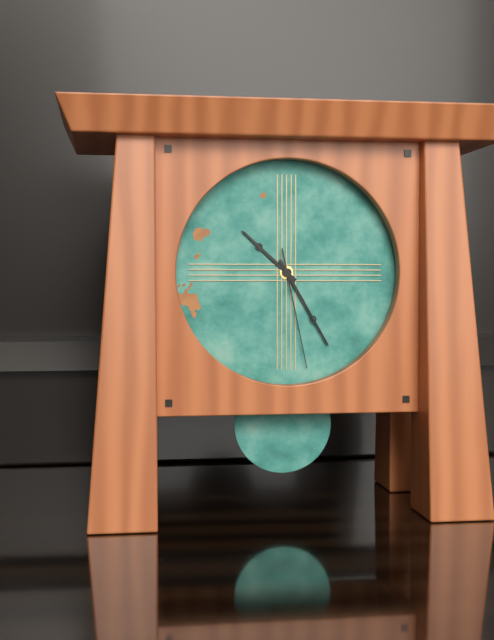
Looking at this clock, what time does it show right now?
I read 10:25:28
